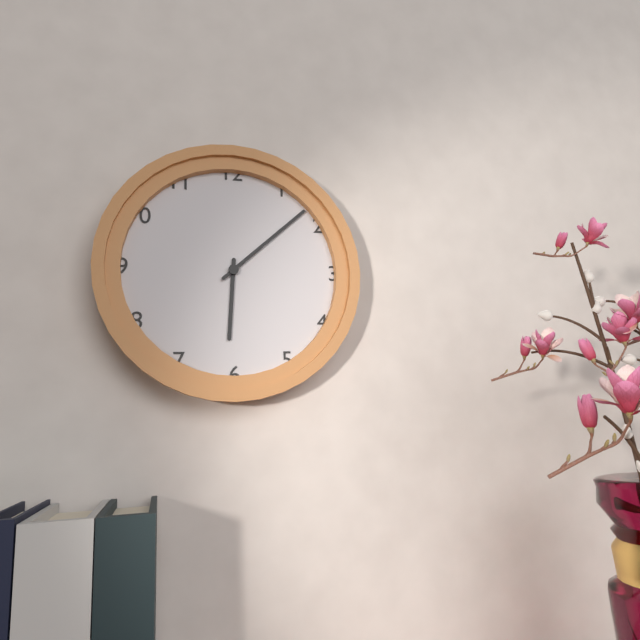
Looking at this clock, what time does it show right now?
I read 6:08
